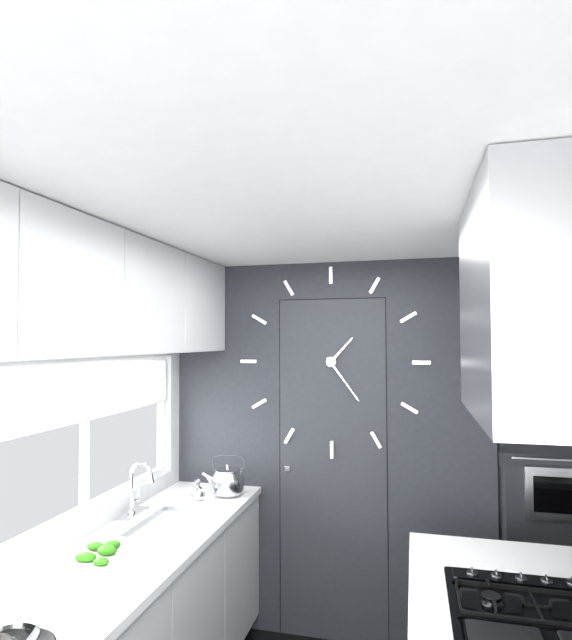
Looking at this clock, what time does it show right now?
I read 1:24
